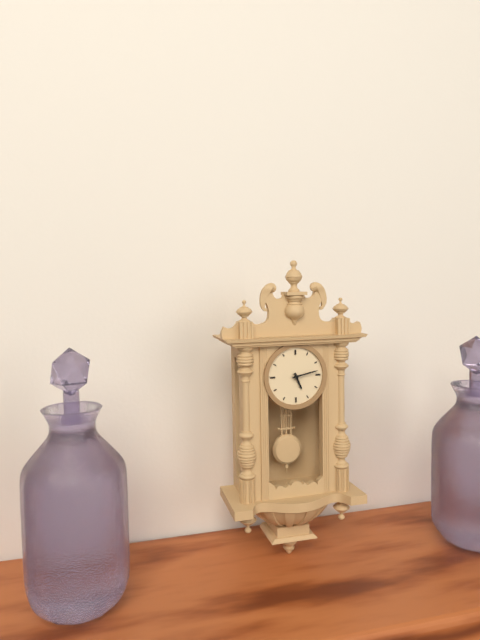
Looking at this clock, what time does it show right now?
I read 5:13
